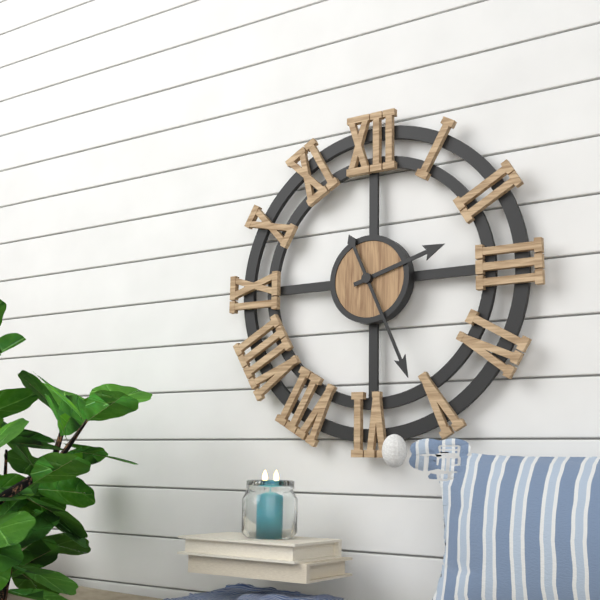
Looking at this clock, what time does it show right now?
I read 2:26
